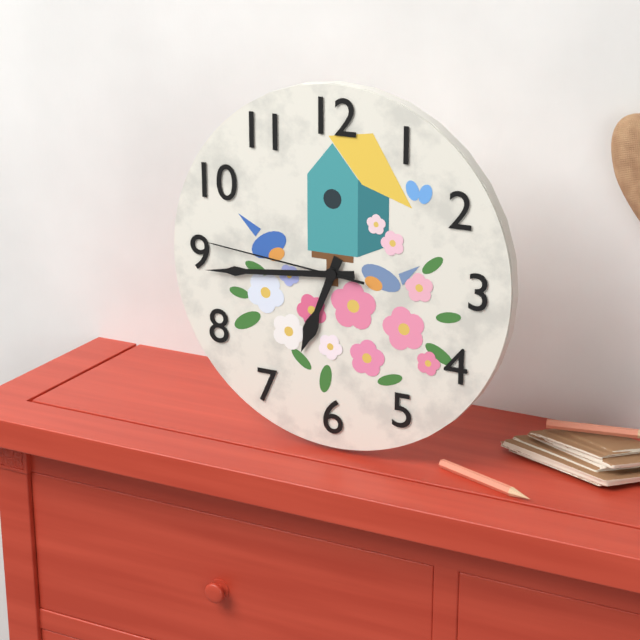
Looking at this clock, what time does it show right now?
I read 6:44:46
